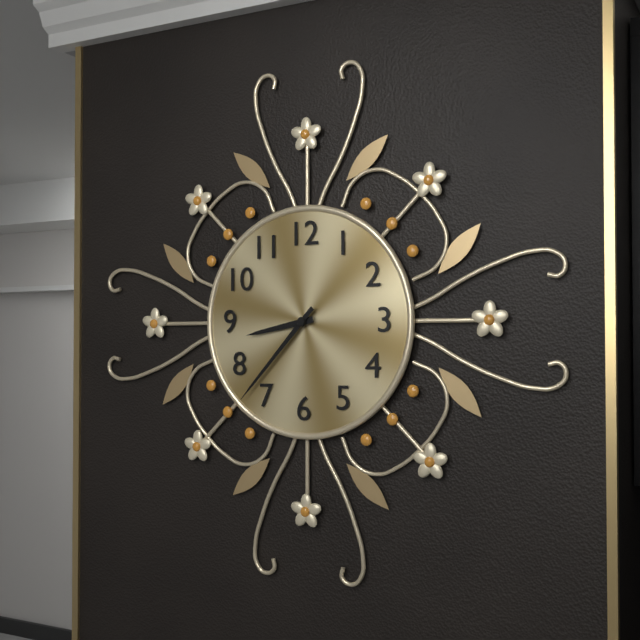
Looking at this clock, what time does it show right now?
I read 8:37
